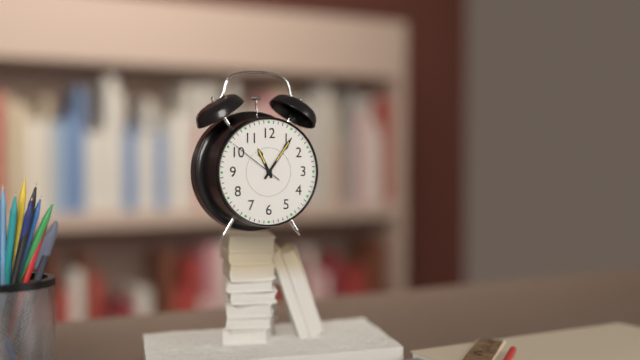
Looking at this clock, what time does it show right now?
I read 11:06:51
